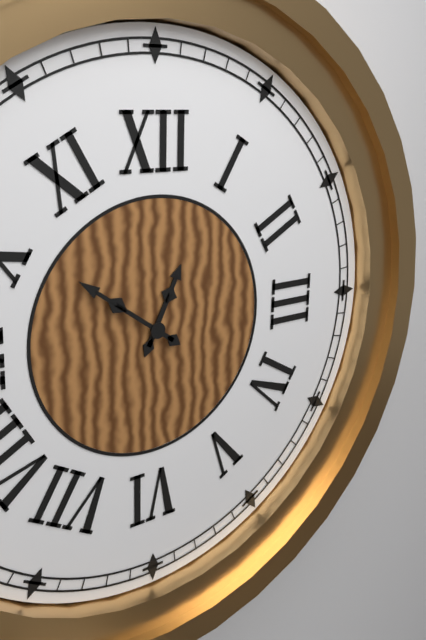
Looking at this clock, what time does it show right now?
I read 12:51
